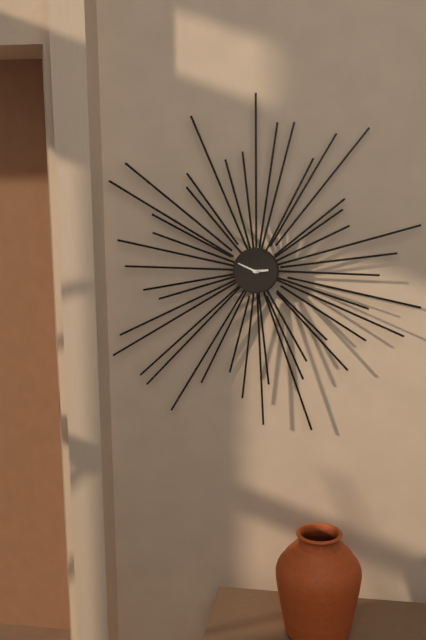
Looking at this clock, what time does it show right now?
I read 2:49
